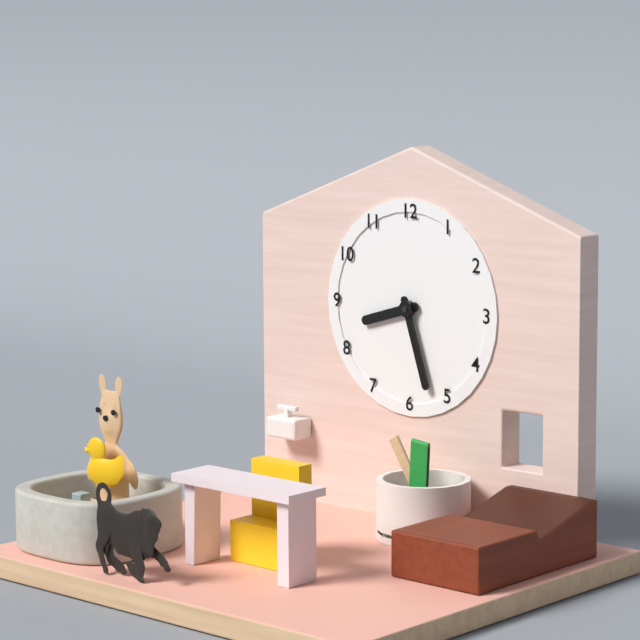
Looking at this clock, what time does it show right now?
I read 8:27
